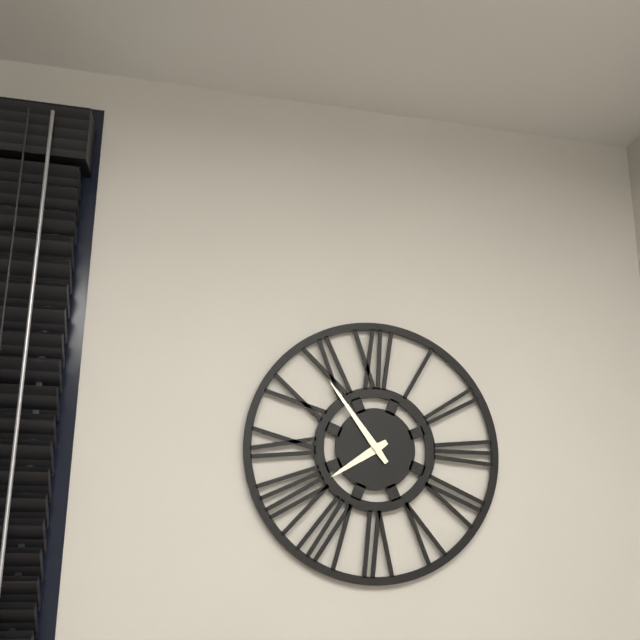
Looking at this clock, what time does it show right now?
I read 7:54
